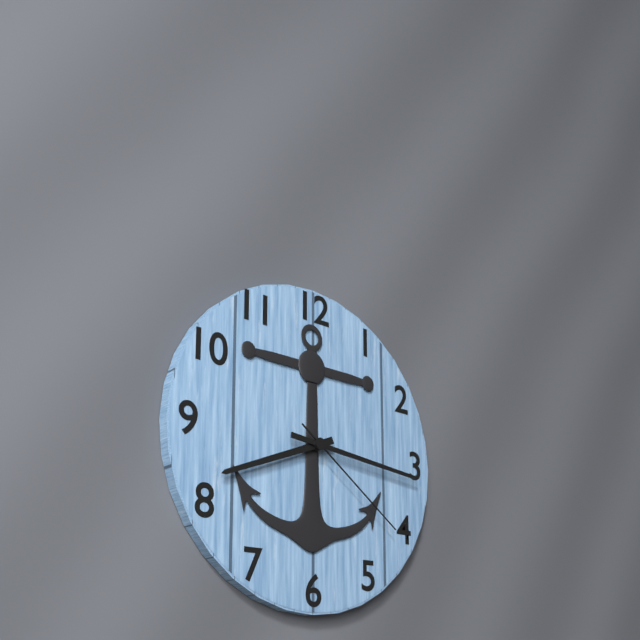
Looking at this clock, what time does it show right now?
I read 8:16:21
